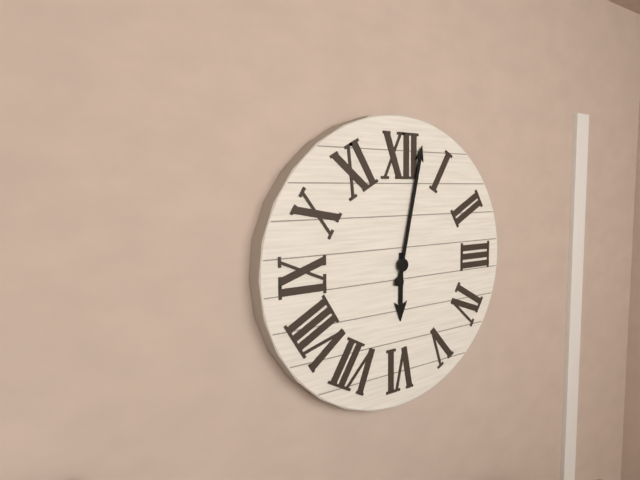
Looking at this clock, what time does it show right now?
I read 6:02
